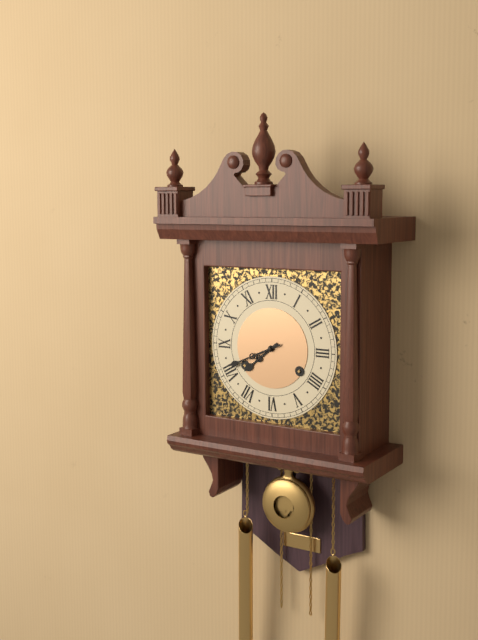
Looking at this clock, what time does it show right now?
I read 7:41
